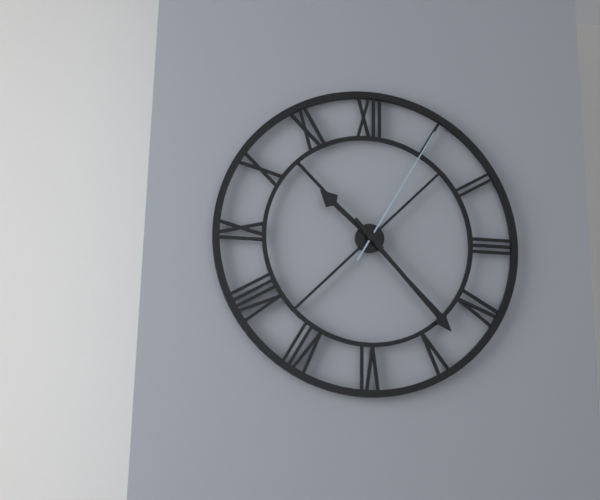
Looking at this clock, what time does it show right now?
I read 10:23:05
